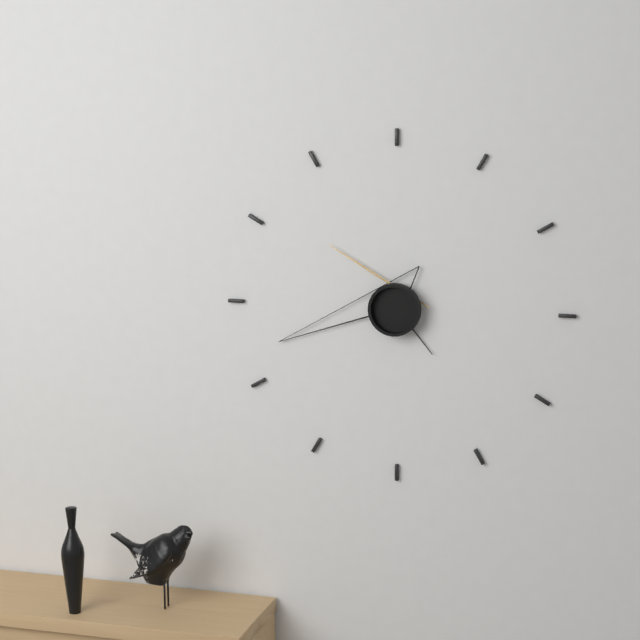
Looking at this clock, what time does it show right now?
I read 4:42:52
